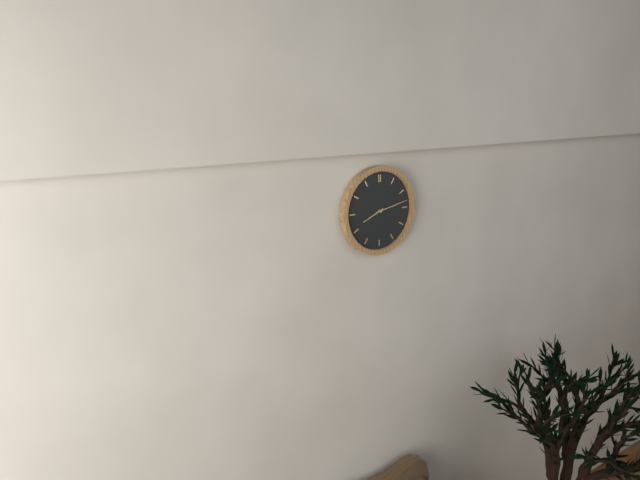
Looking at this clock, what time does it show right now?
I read 8:13
